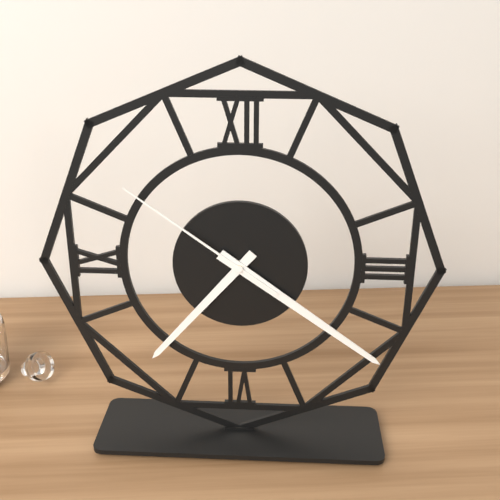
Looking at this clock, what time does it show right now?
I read 7:21:51
